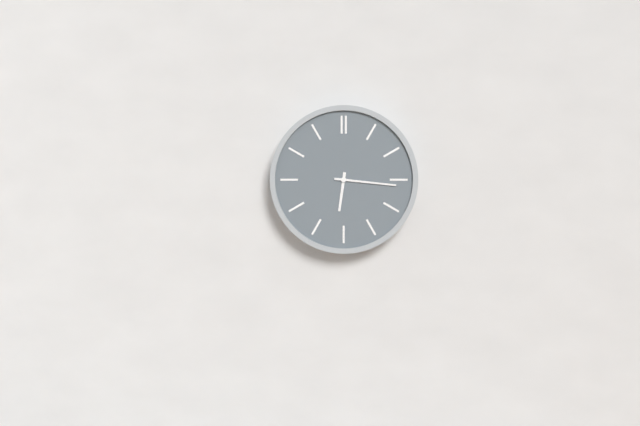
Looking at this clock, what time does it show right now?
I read 6:16
